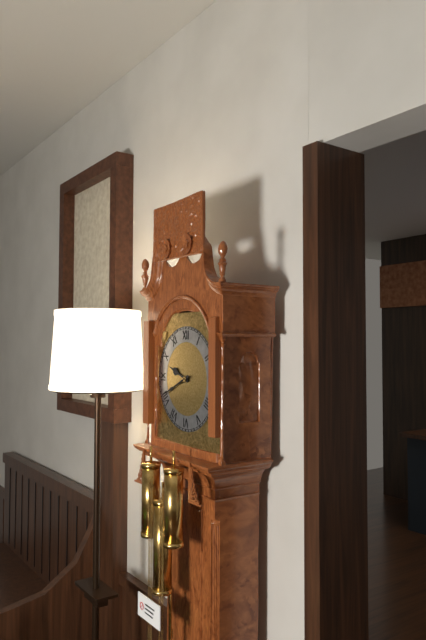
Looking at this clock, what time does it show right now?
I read 9:41
